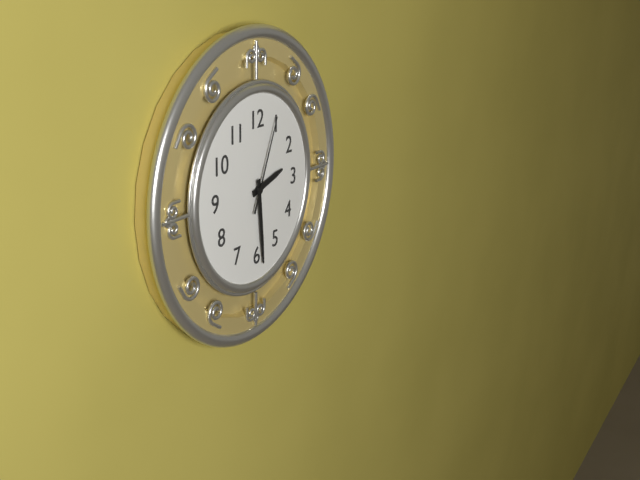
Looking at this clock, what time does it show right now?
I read 2:29:04
